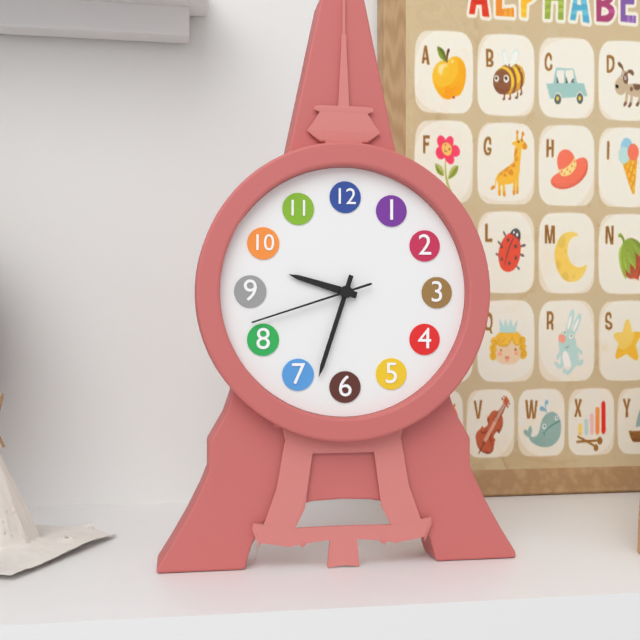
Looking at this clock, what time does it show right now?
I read 9:33:42
